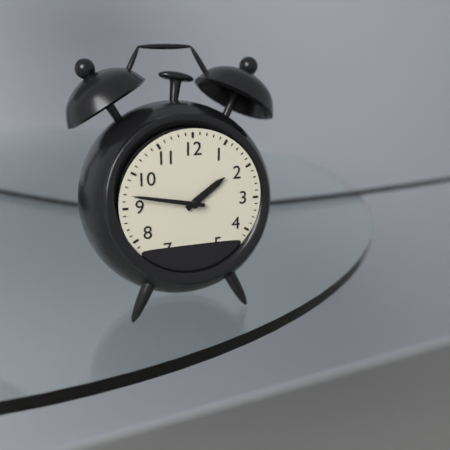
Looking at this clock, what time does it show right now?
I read 1:47
